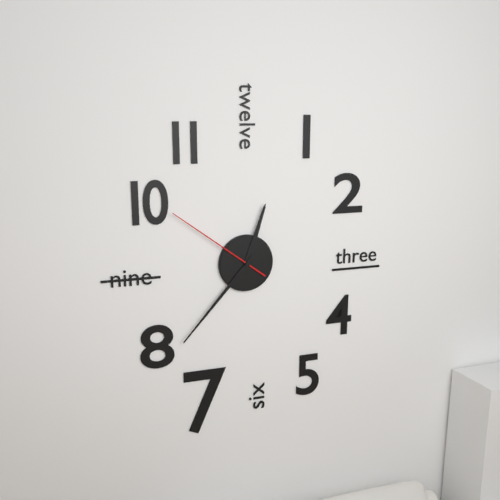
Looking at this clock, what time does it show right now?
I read 12:37:51
